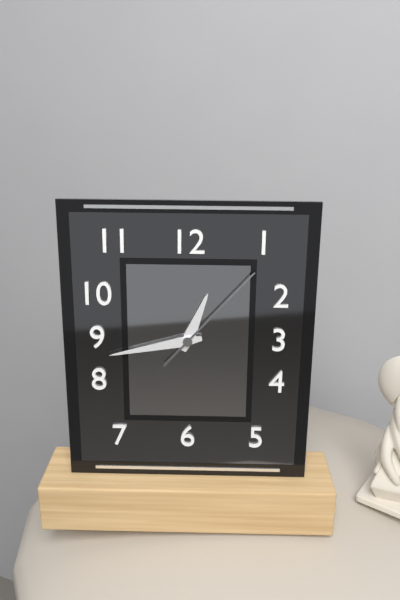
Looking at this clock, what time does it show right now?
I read 12:43:07
